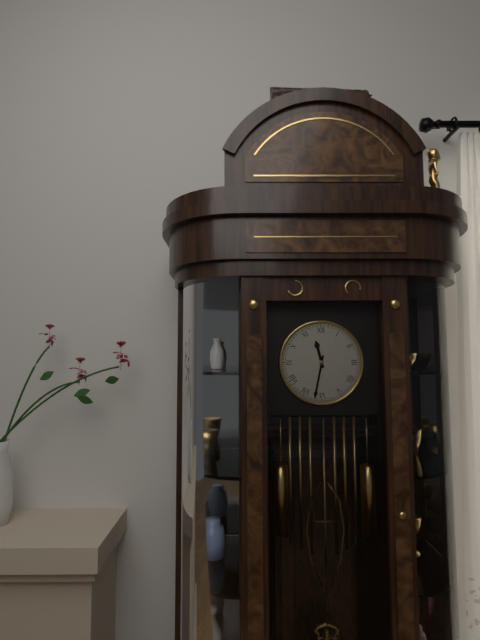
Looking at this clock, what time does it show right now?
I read 11:32
